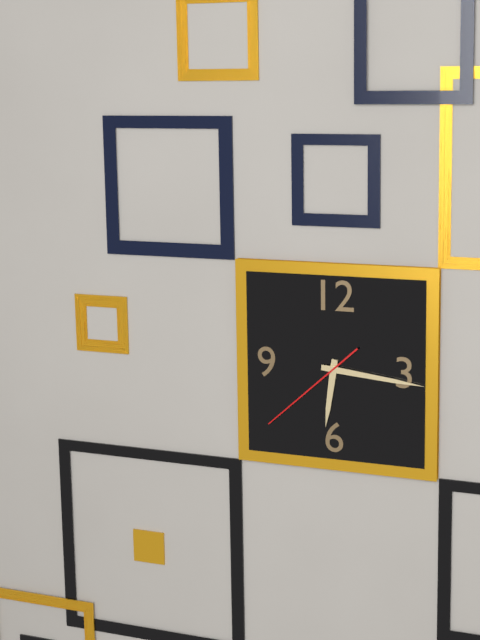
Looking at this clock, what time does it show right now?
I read 6:16:38
